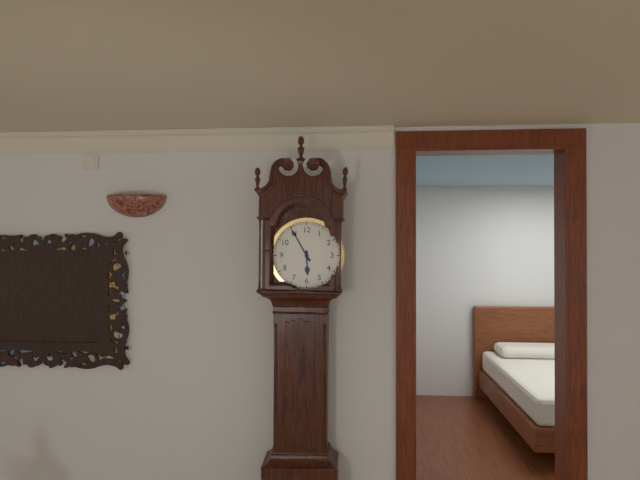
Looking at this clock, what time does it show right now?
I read 5:55
